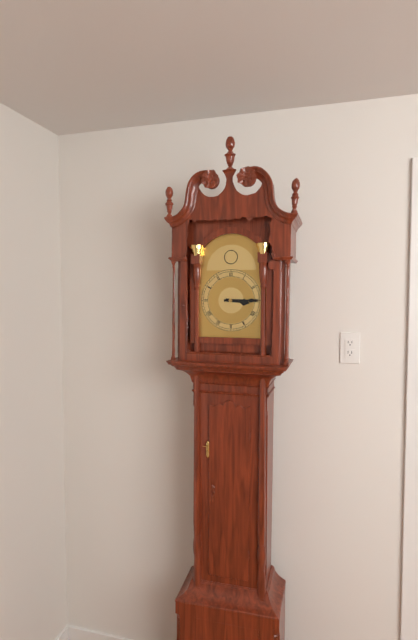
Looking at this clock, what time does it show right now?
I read 3:15
